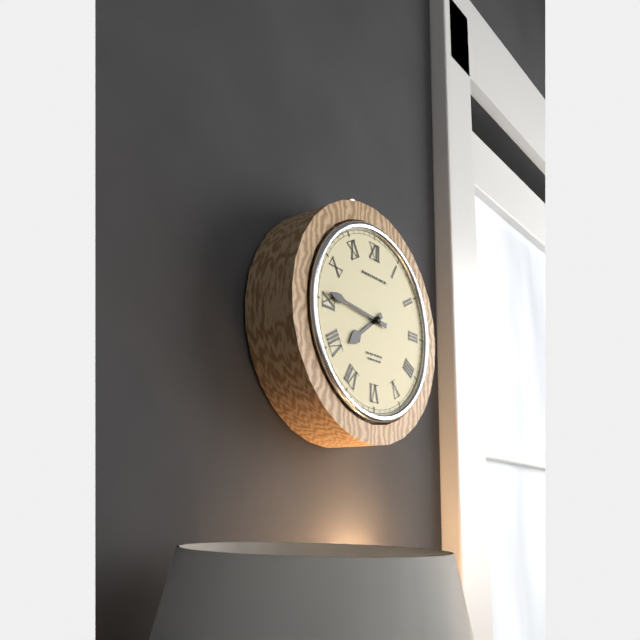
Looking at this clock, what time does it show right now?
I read 7:46
